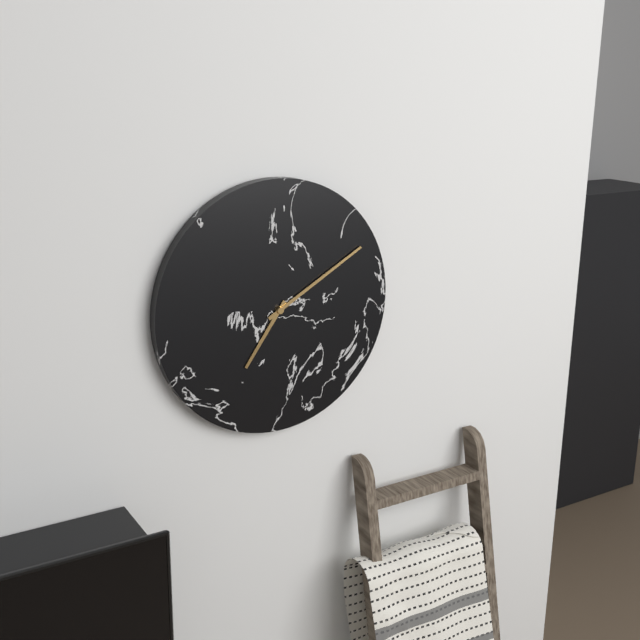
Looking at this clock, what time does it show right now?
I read 7:10
